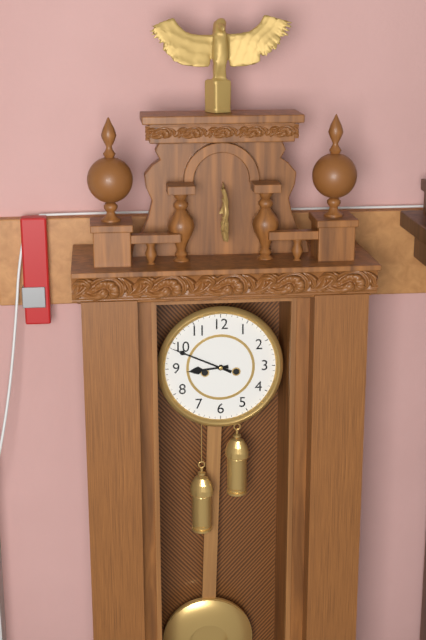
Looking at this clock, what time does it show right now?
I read 8:49
